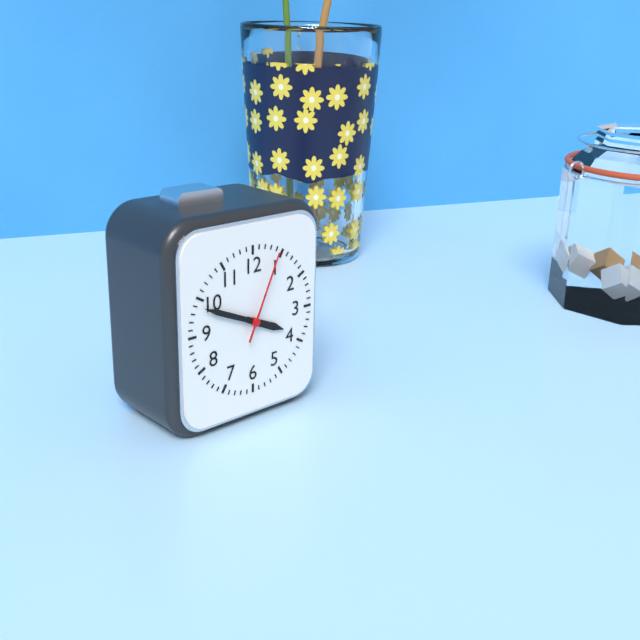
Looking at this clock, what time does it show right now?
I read 3:49:04
